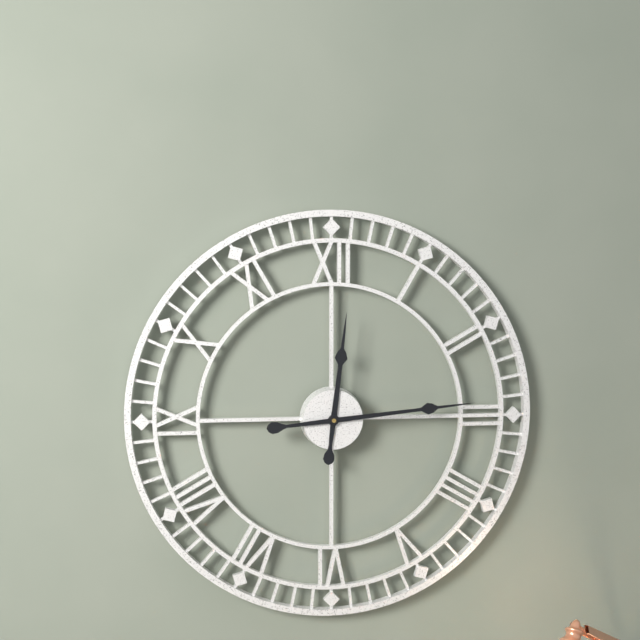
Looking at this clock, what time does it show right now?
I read 12:14
